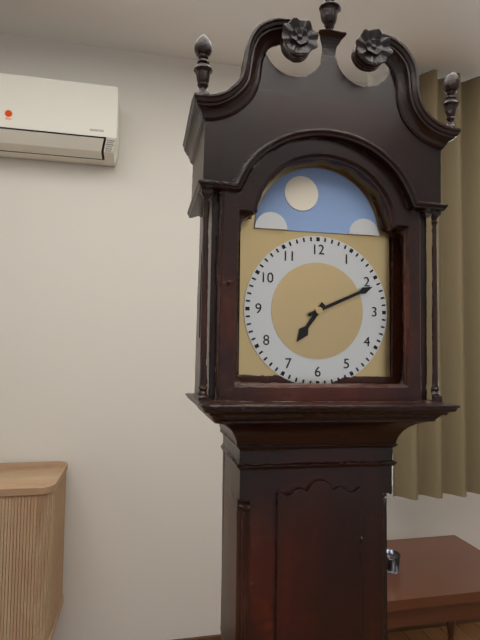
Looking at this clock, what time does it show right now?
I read 7:11
